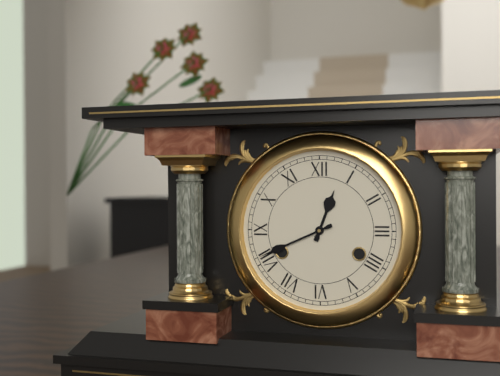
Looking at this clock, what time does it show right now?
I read 12:41
